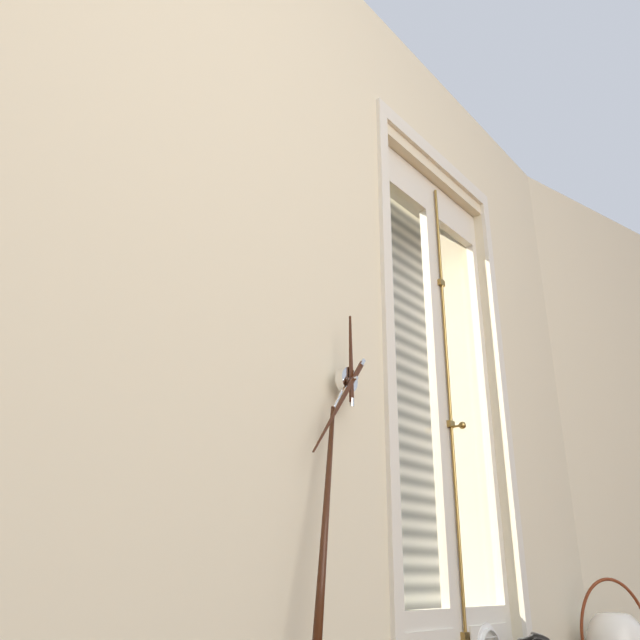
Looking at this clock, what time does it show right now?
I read 11:34
